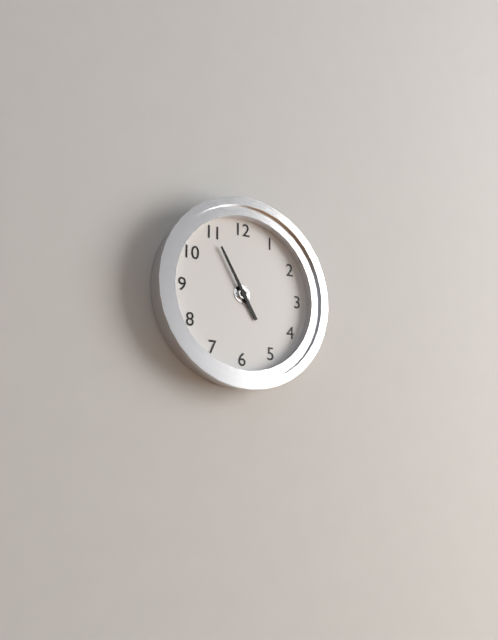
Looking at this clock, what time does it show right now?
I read 4:55
